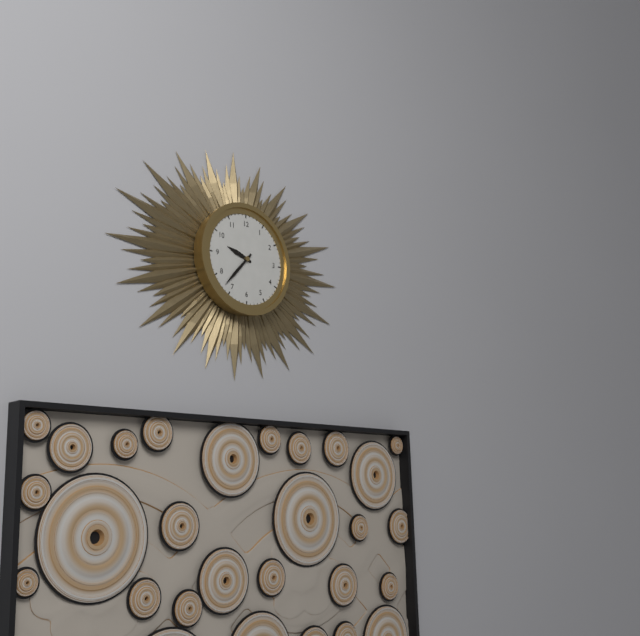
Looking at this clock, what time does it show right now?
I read 9:37
